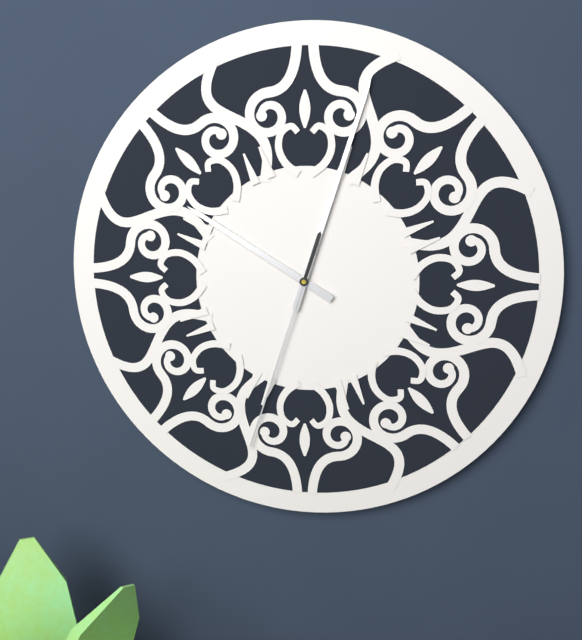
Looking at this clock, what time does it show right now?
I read 10:03:33
